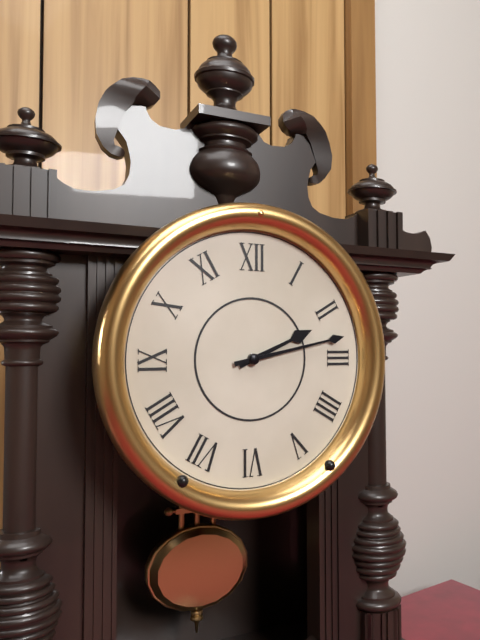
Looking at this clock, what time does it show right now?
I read 2:13
